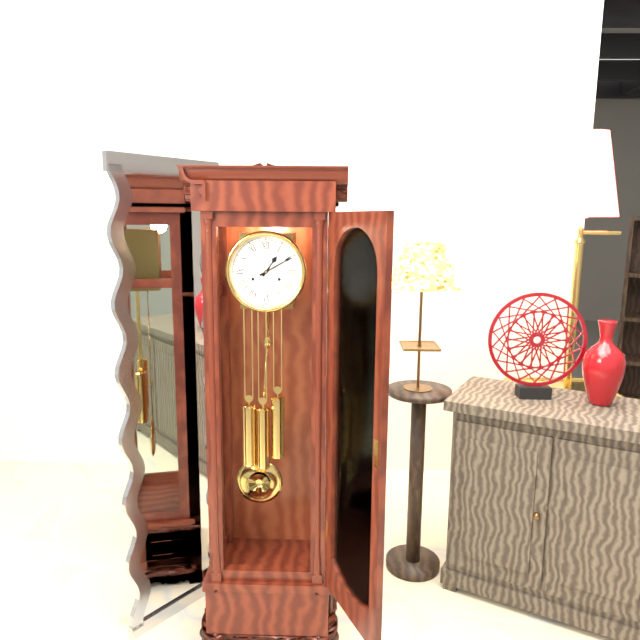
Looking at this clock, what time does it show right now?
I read 1:10
